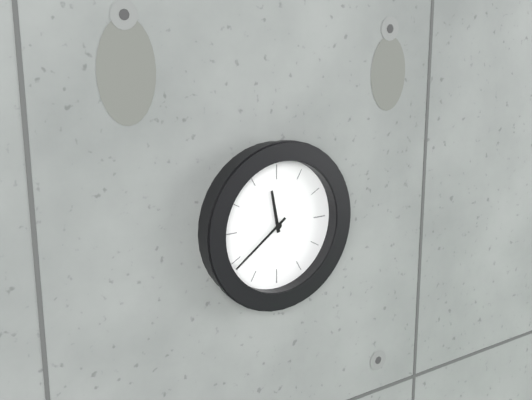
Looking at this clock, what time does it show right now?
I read 11:39
